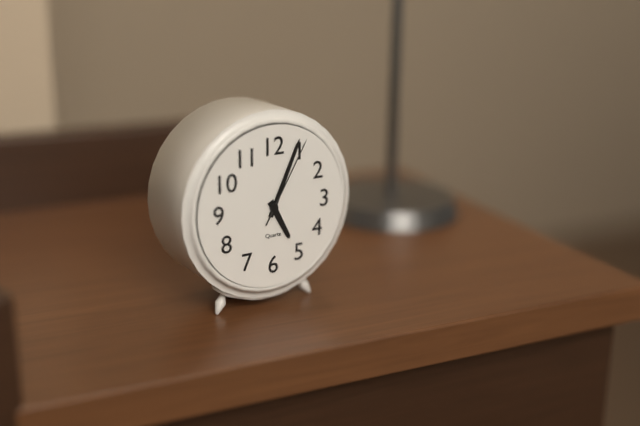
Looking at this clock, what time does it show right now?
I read 5:04:05
